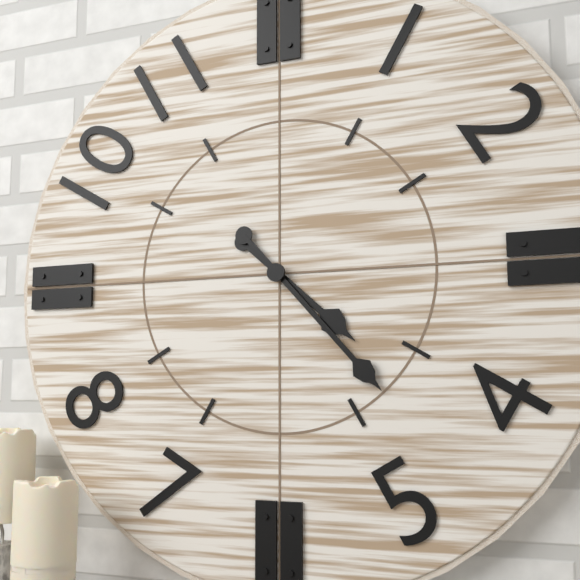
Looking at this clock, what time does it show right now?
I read 4:23
